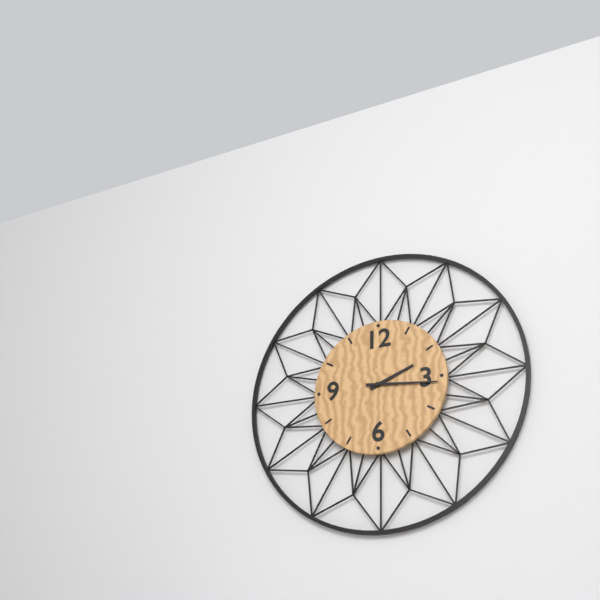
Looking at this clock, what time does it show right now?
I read 2:16
